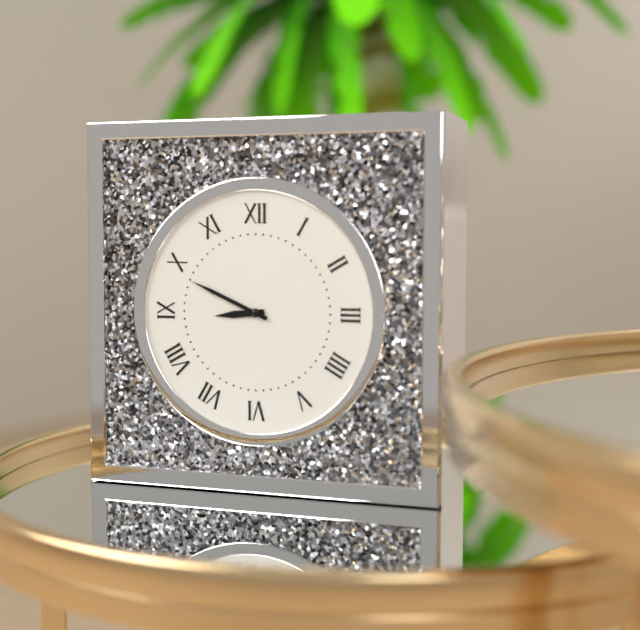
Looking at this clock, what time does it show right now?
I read 8:49
